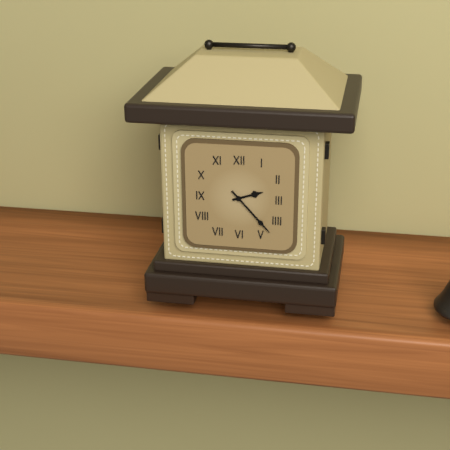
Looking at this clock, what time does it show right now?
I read 2:23
